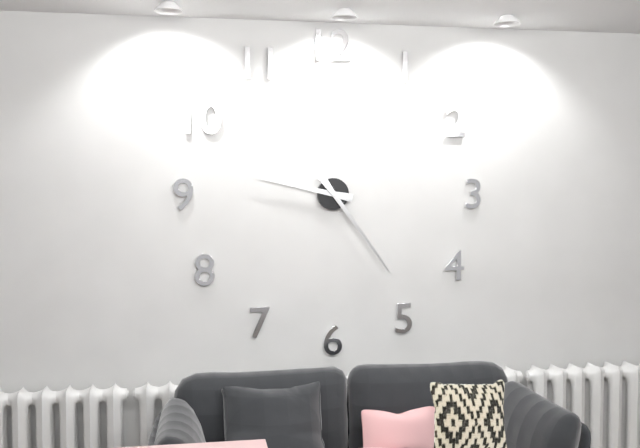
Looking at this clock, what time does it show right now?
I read 9:24
